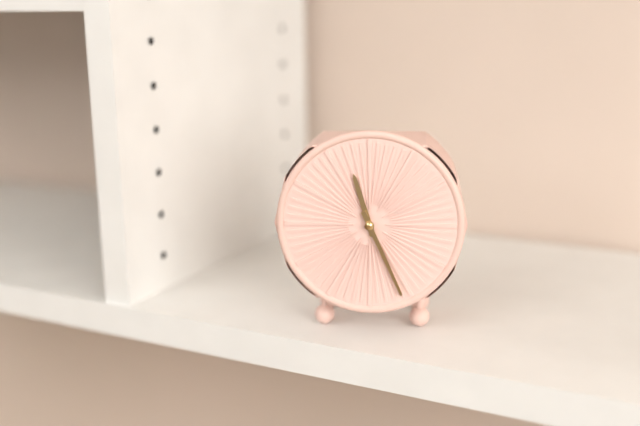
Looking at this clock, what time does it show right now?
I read 11:26
